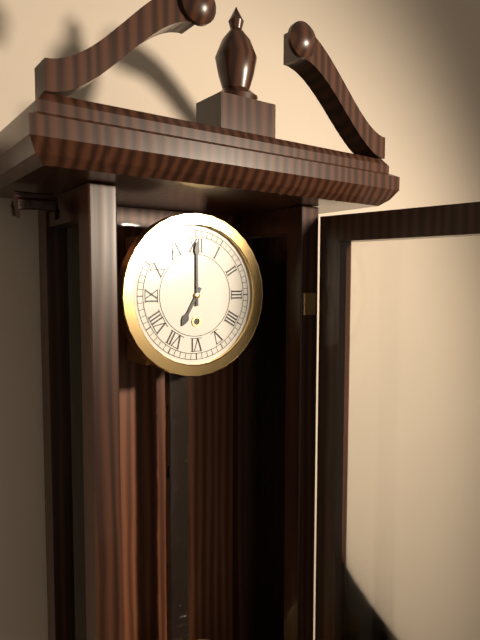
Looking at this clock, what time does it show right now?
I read 7:00
